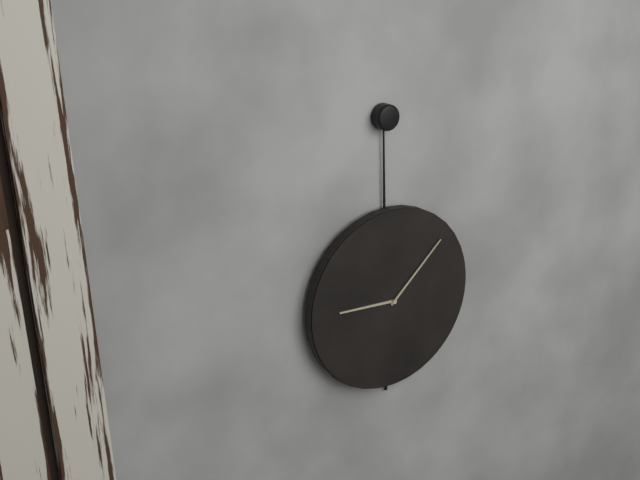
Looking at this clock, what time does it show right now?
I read 9:08
